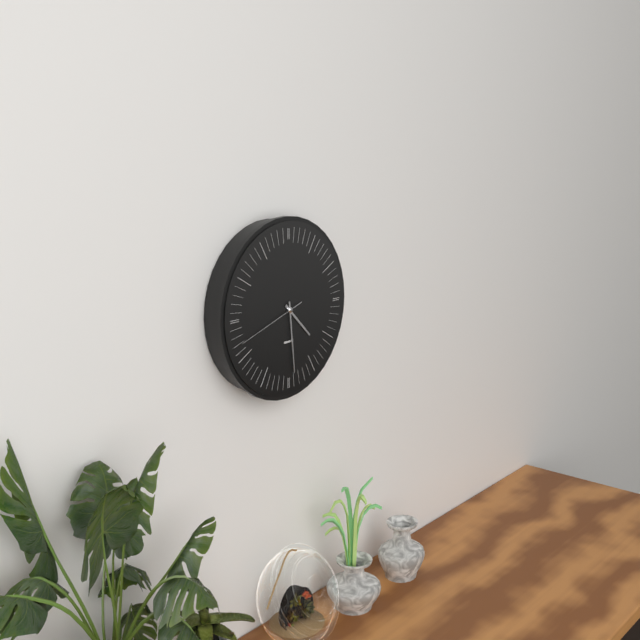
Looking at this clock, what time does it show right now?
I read 4:29:42
